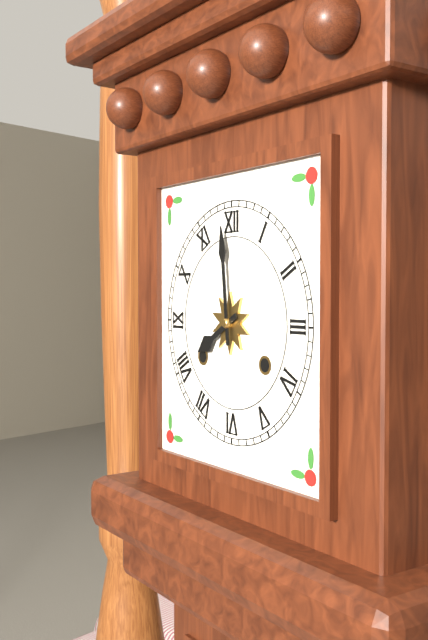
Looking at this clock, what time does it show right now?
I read 7:59
